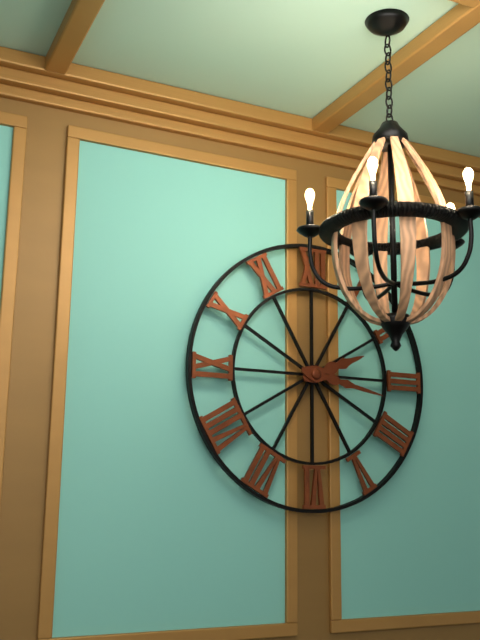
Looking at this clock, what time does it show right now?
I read 2:17
